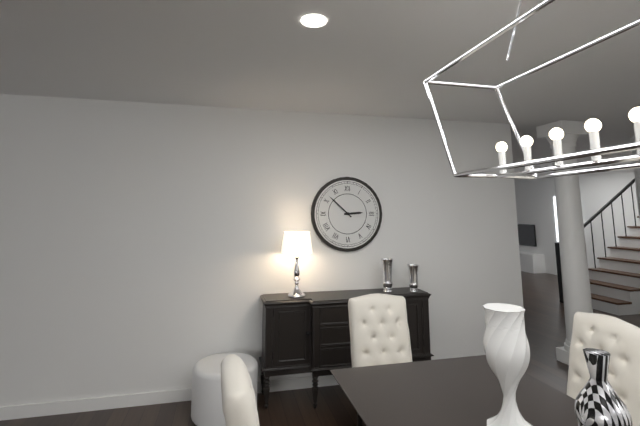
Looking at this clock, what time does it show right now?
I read 2:52
